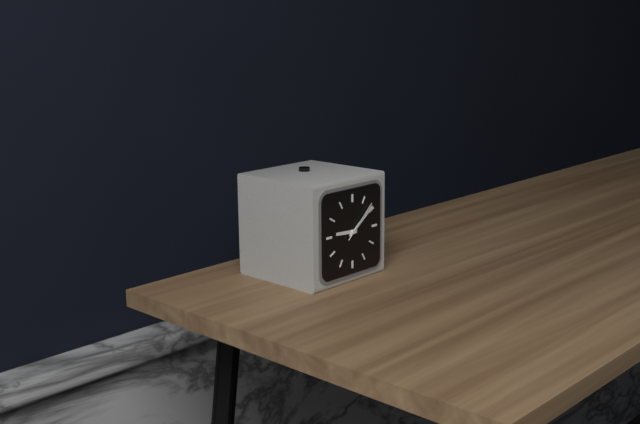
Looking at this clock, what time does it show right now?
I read 9:09
